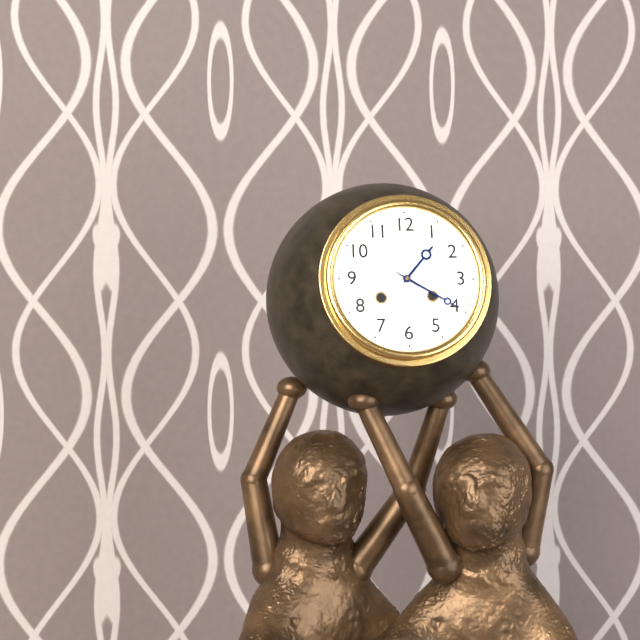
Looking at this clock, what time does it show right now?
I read 1:20
